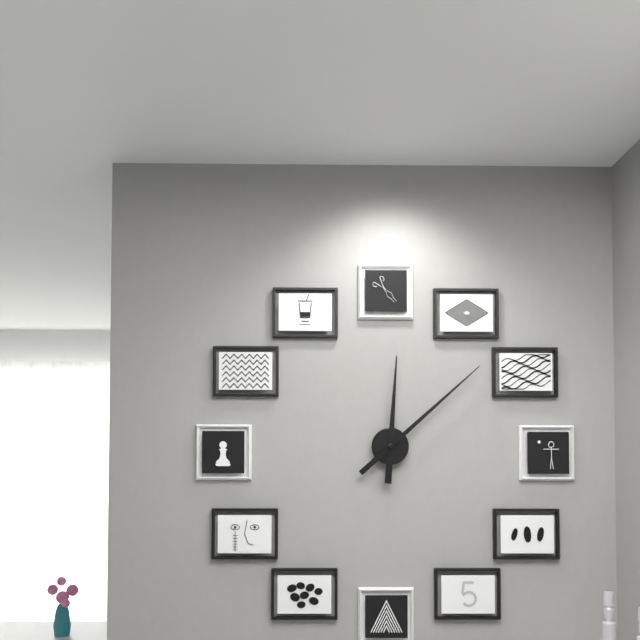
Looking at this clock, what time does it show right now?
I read 12:08
